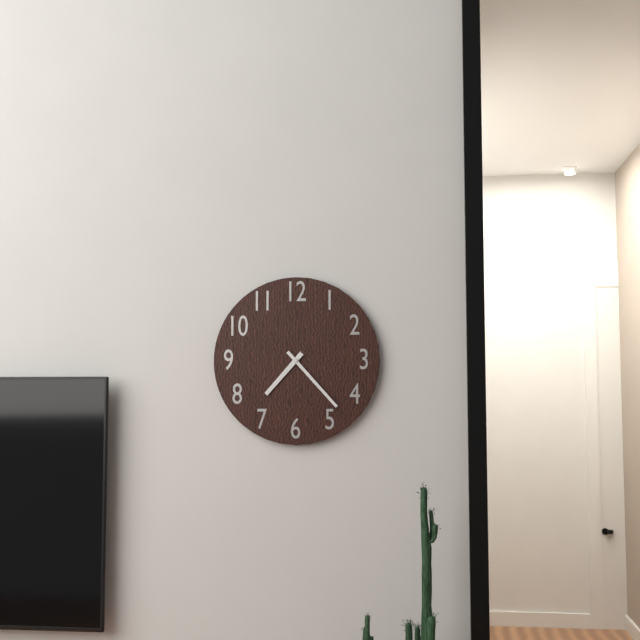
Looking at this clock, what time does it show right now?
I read 7:23
